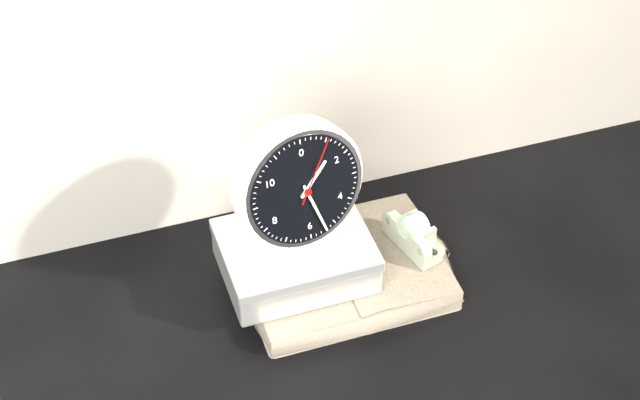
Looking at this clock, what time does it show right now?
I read 1:27:05
